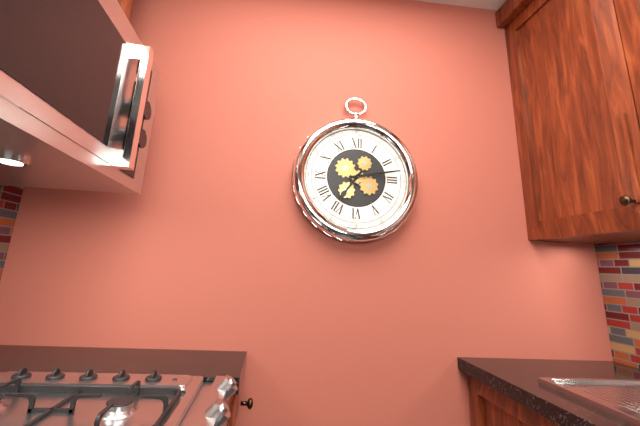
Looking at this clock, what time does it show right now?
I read 7:13
